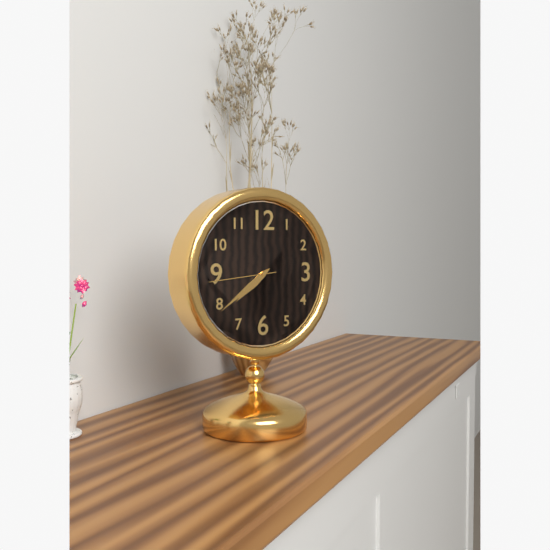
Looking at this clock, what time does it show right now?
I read 7:39:44
